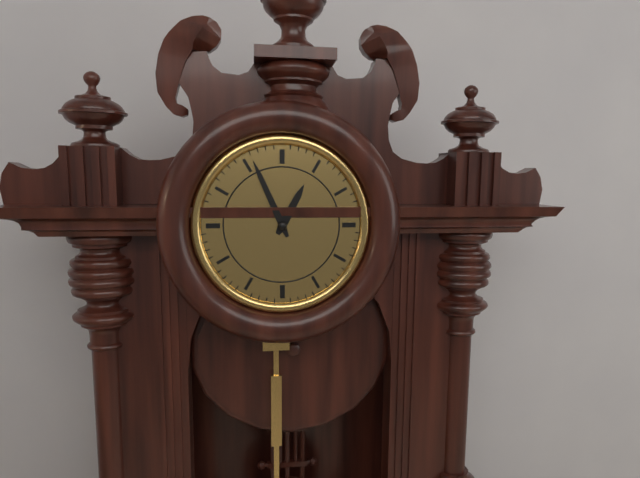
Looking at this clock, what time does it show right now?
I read 12:56
